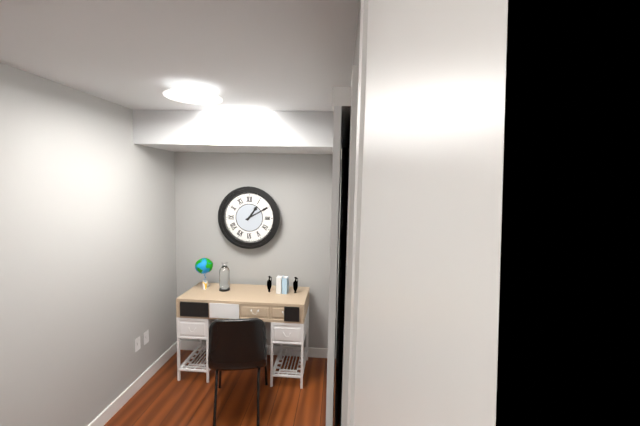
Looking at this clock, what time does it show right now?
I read 1:10
